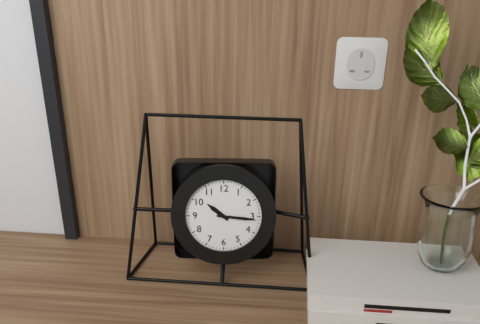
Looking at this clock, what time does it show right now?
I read 10:16
